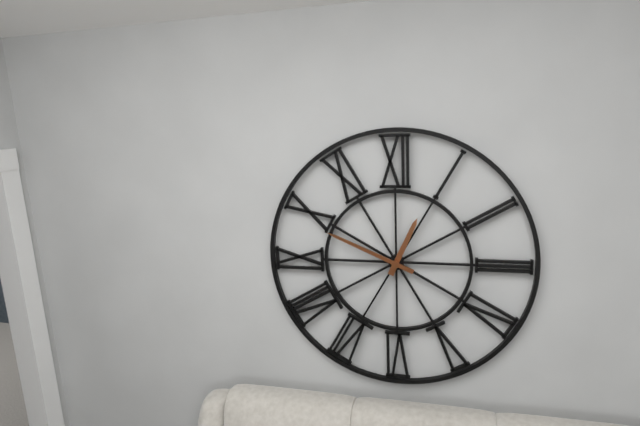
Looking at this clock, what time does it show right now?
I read 12:49
